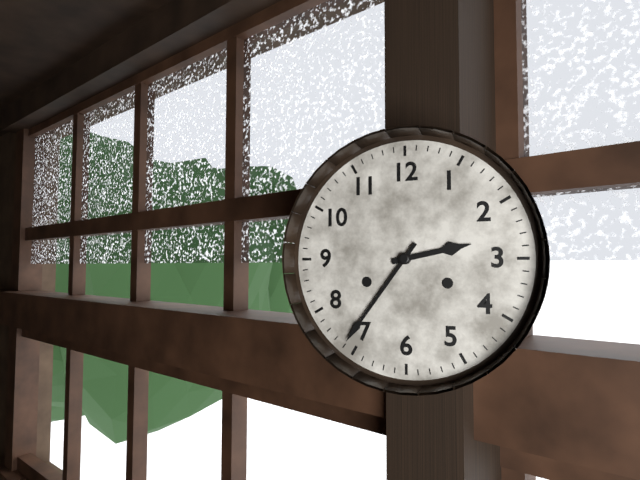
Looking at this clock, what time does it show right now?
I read 2:36
